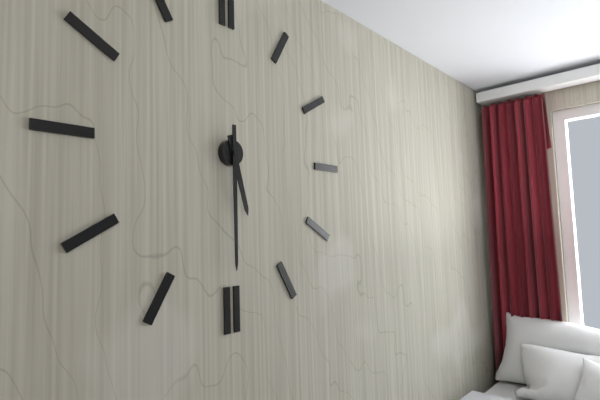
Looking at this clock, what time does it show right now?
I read 5:30
